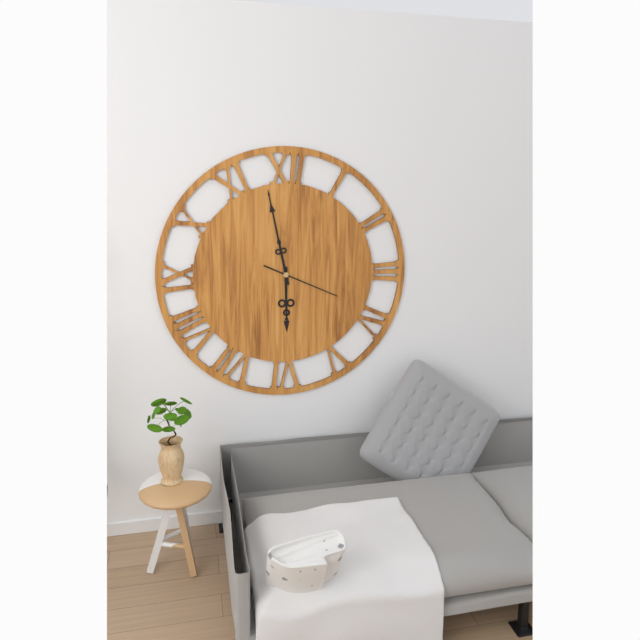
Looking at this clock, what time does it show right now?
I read 5:58:19
